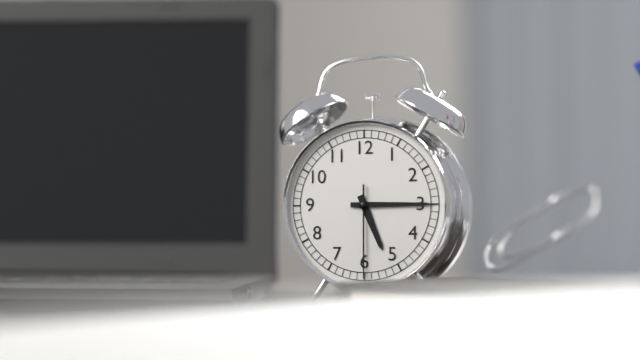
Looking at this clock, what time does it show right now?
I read 5:15:30
